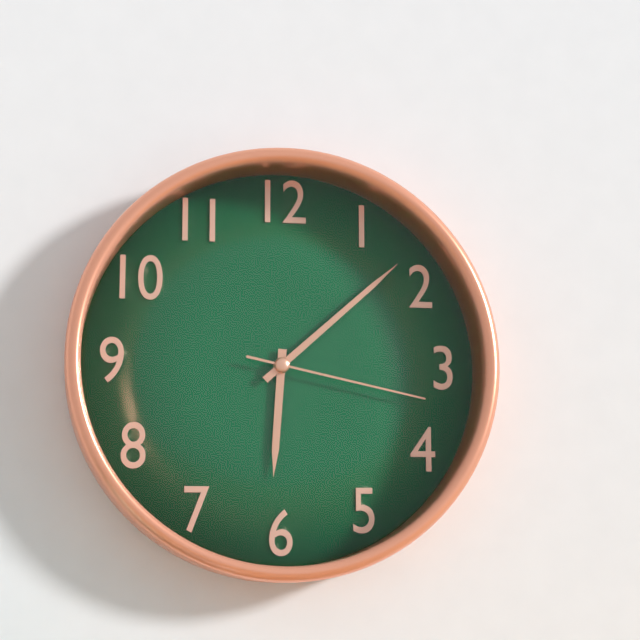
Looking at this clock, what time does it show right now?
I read 6:08:17
